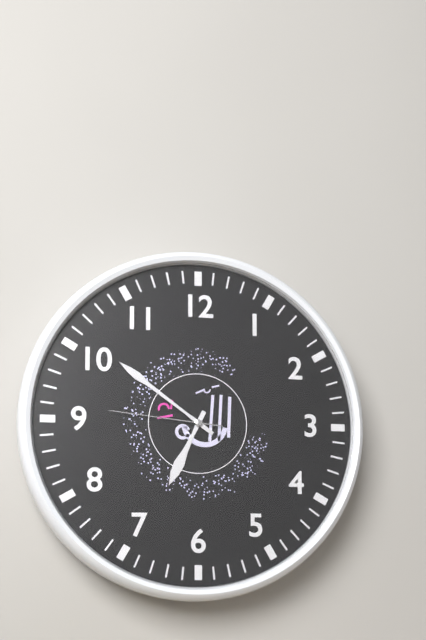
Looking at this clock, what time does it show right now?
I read 6:51:46
